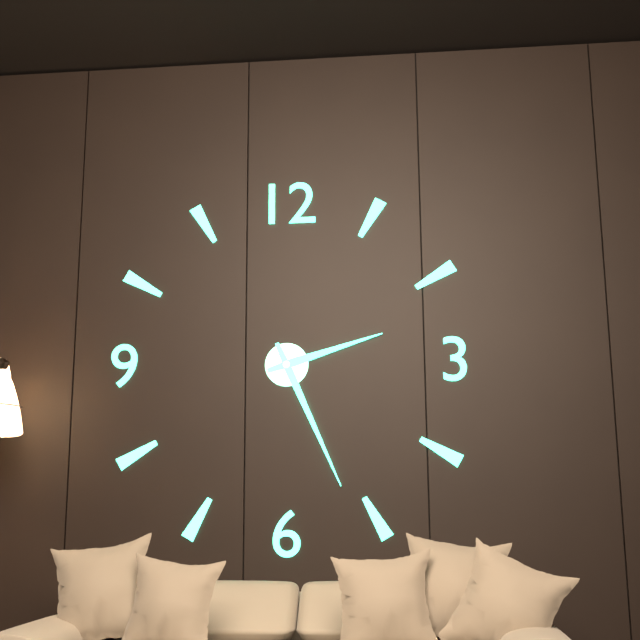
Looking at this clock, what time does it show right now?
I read 2:26
